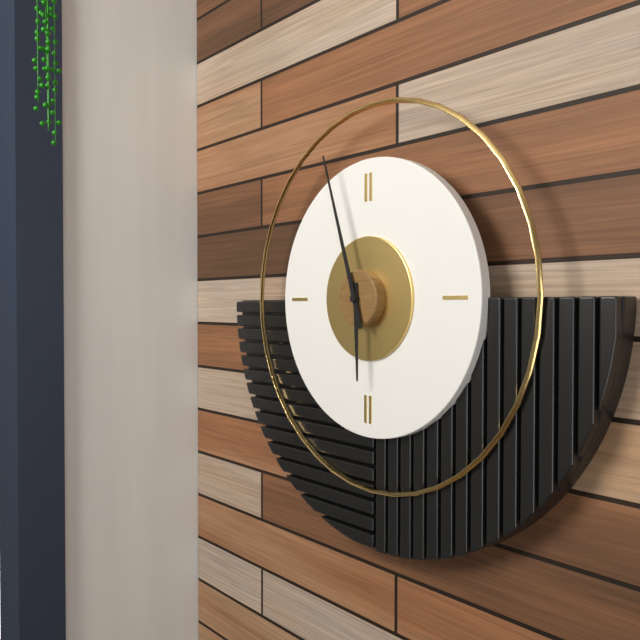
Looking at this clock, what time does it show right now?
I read 5:57
